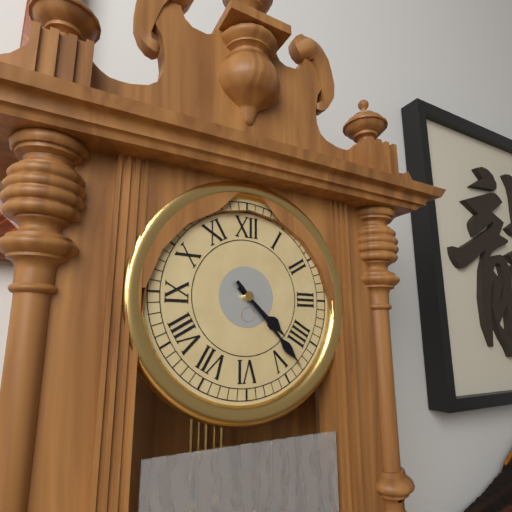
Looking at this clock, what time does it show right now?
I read 4:23
